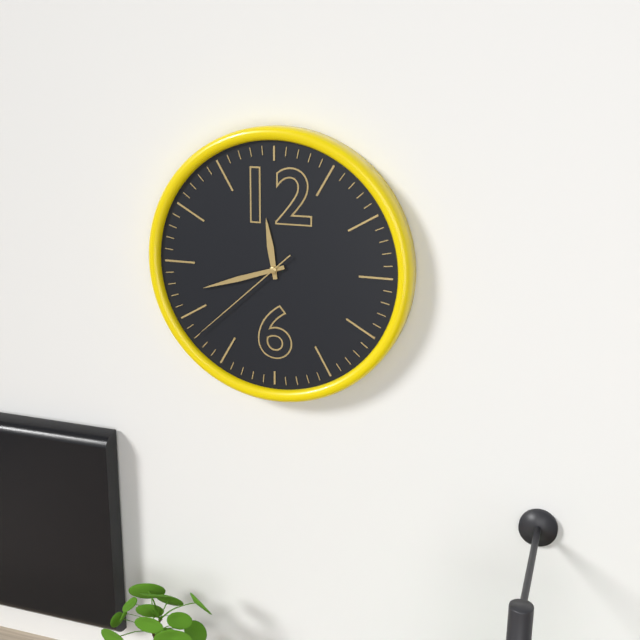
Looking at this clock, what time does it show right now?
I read 11:42:38
